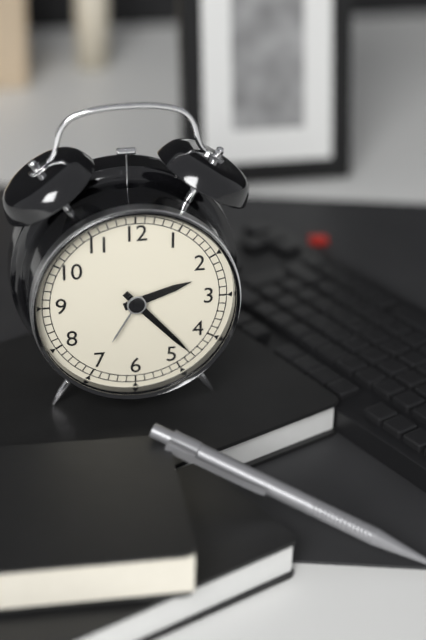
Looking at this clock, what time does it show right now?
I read 2:23
